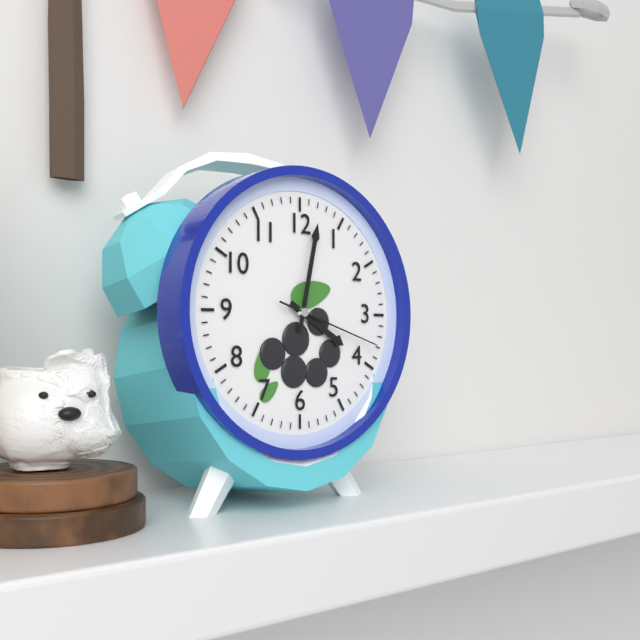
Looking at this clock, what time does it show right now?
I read 4:02:18
